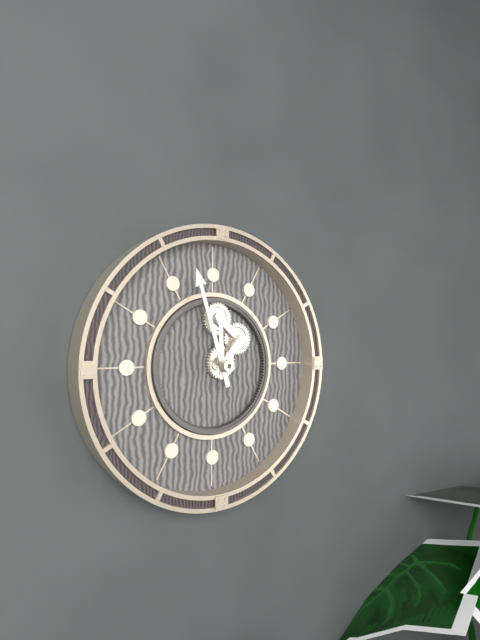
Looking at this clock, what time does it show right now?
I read 11:57
